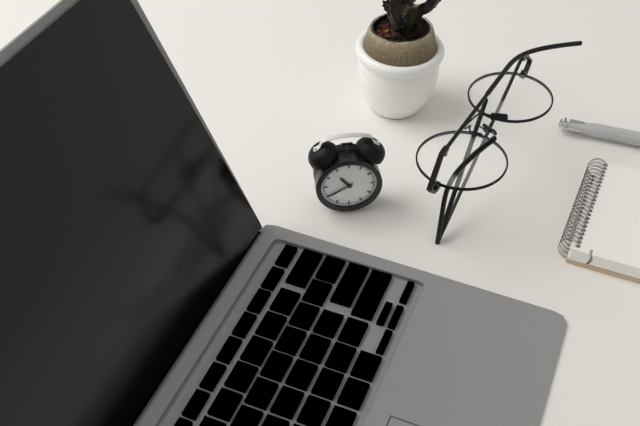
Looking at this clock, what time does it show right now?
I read 10:40
